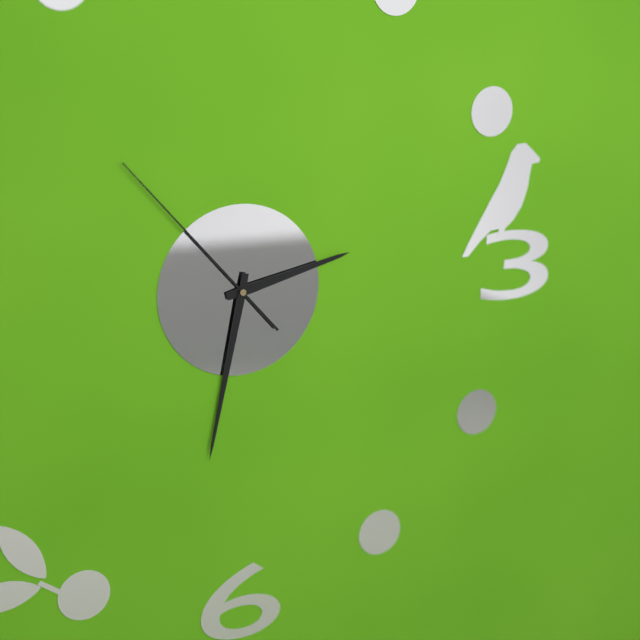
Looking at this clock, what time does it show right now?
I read 2:32:53
